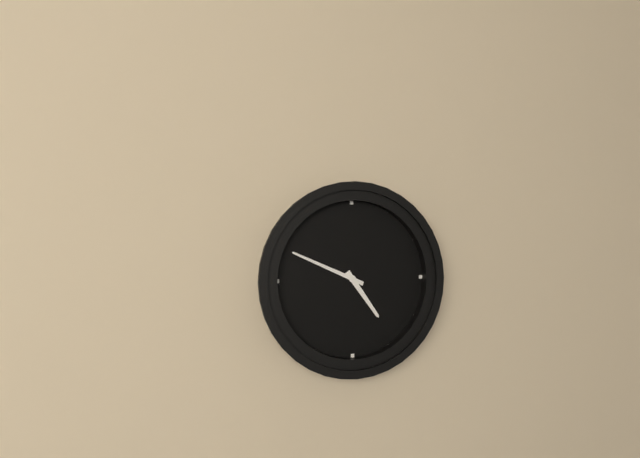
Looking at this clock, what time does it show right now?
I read 4:49
